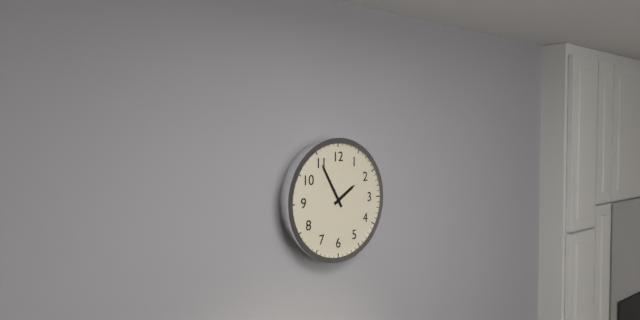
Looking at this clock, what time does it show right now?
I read 1:55
